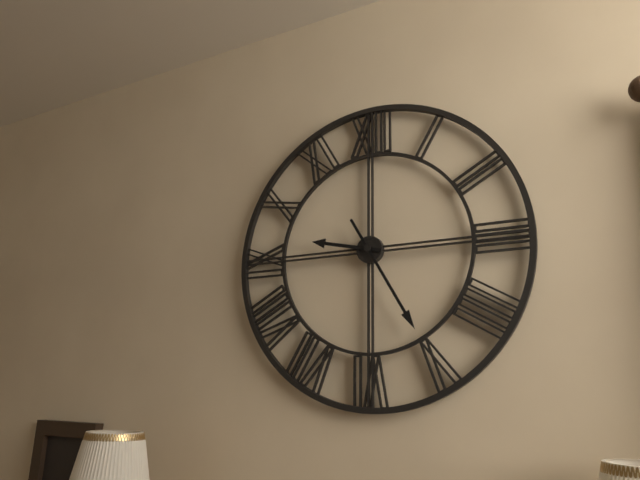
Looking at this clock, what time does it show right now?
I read 9:25
